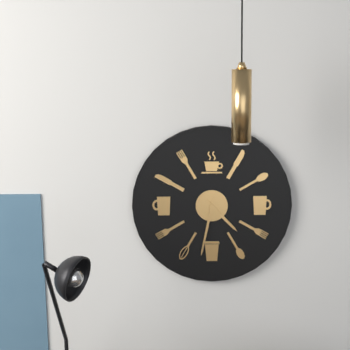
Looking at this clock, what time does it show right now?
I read 4:32
